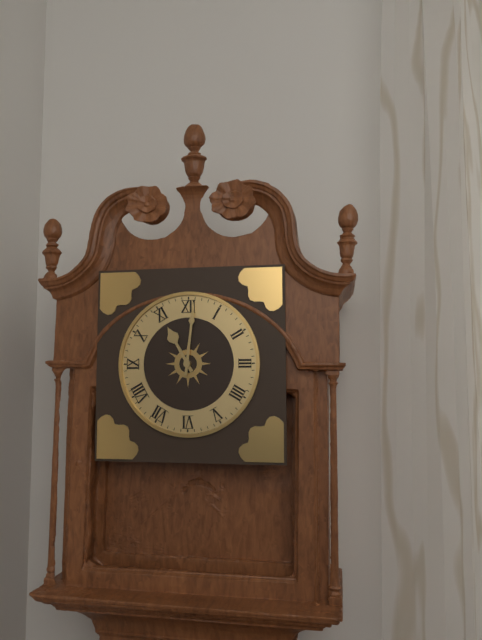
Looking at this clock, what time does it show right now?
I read 11:01
